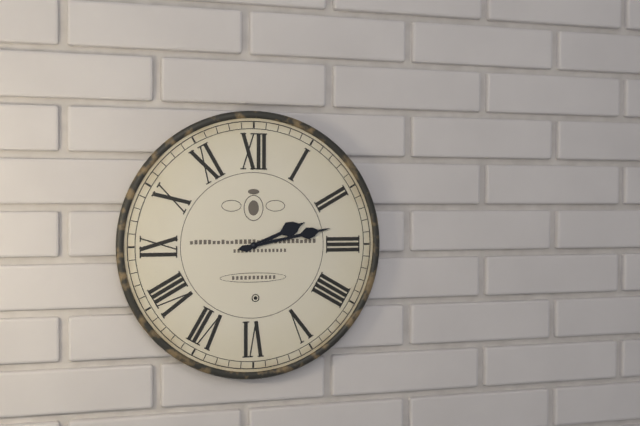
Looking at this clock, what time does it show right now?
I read 2:13
